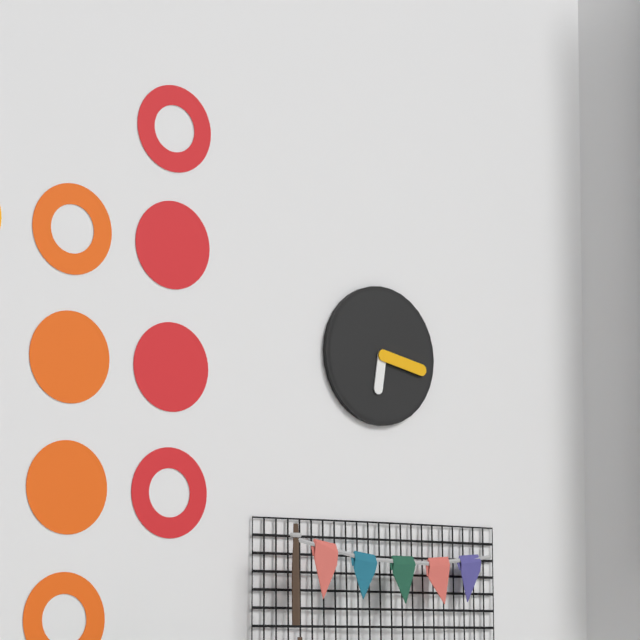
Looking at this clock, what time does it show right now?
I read 6:17
